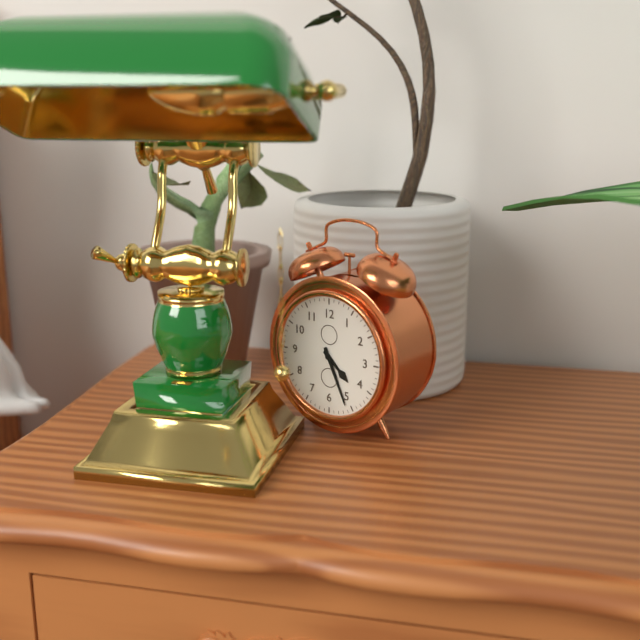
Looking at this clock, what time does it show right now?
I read 4:26
